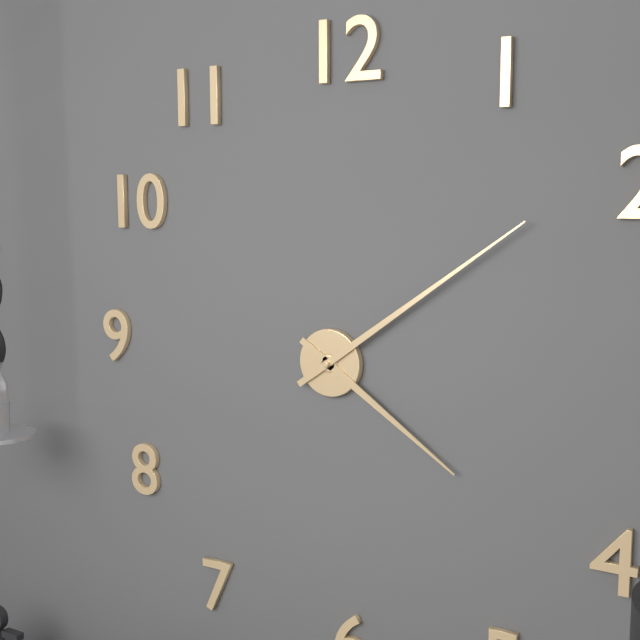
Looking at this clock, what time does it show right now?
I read 4:09
